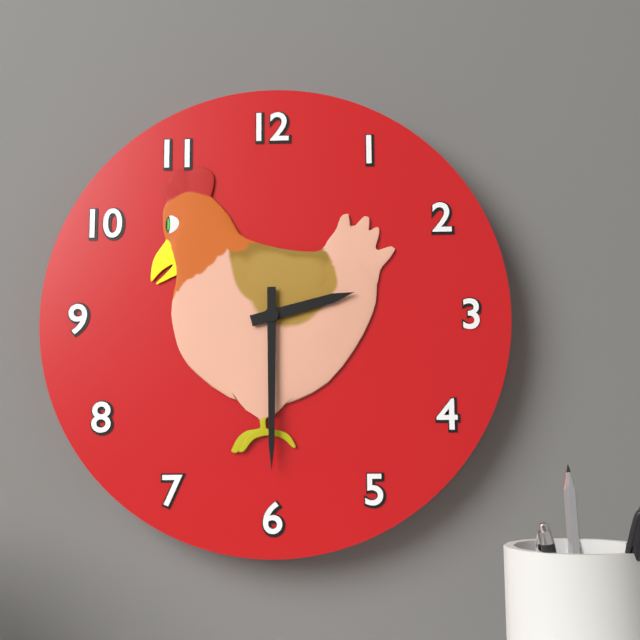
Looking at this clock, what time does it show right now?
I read 2:30
